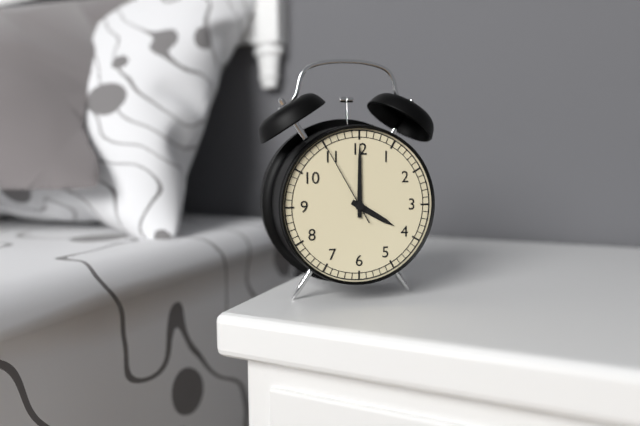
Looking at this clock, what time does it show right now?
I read 4:00:55
